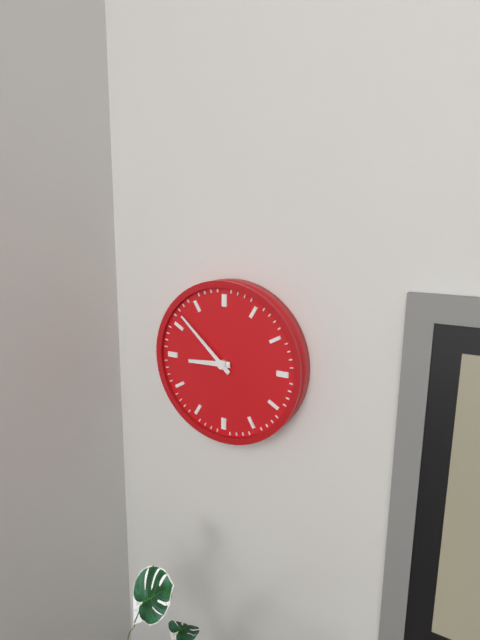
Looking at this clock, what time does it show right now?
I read 8:52
